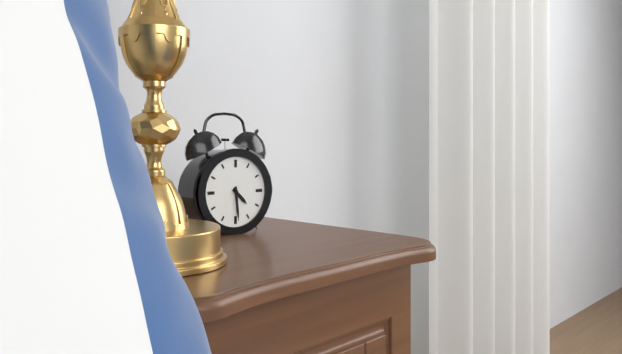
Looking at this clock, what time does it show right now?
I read 4:29
